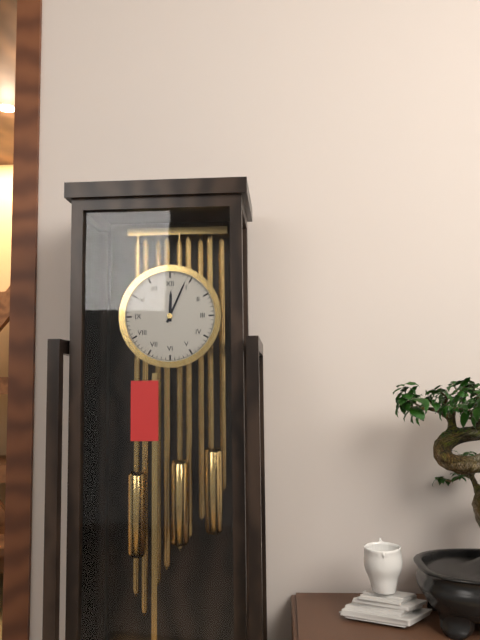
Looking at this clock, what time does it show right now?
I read 12:04
